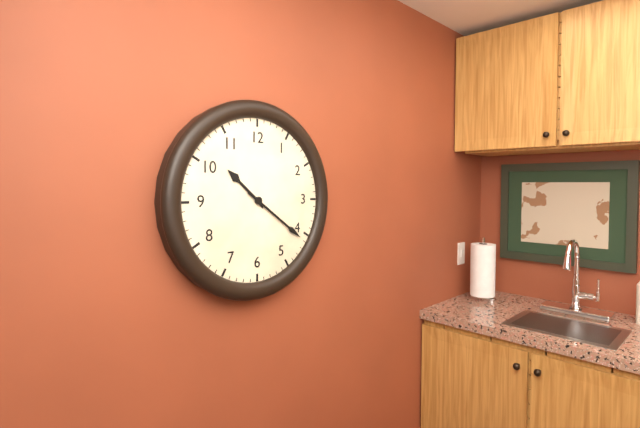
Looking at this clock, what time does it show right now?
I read 10:21
